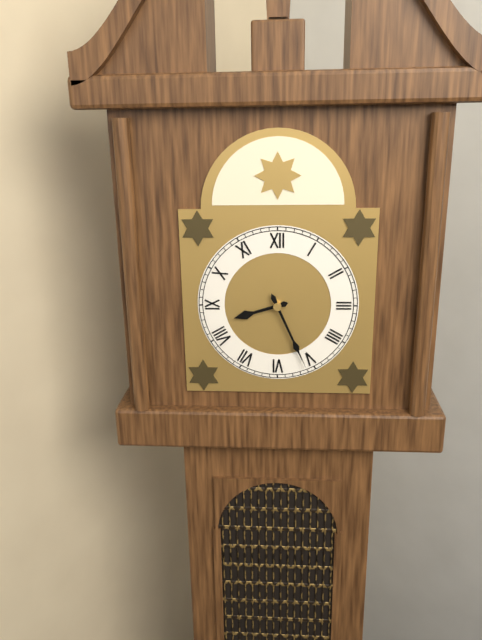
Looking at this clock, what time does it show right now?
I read 8:26
